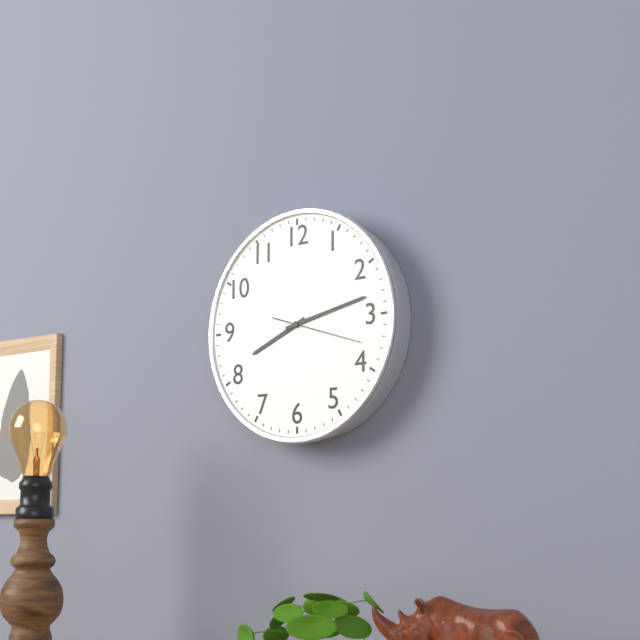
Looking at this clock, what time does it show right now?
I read 8:13:18
